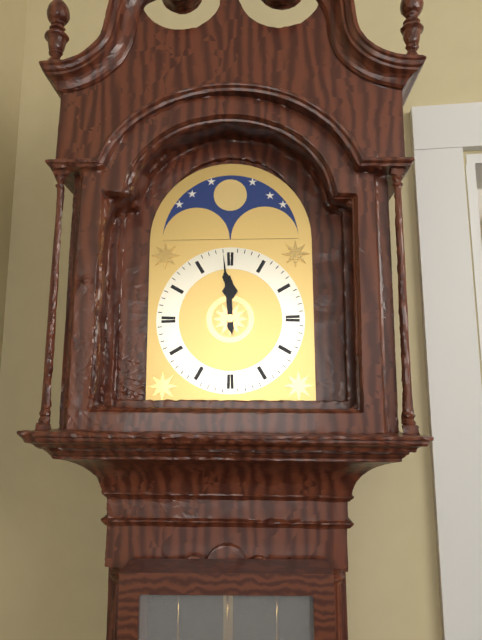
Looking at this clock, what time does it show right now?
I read 11:59
